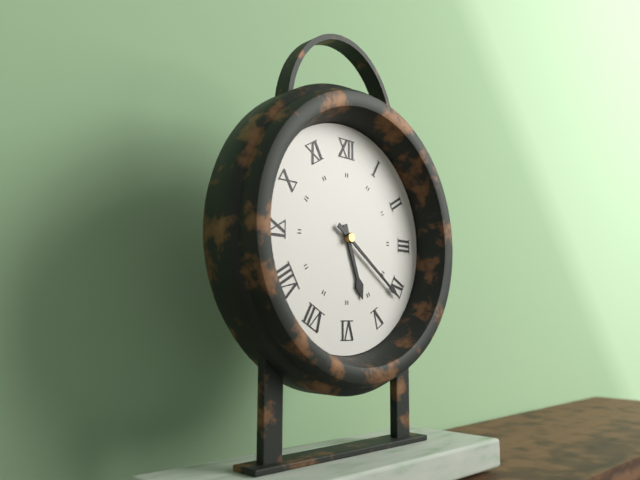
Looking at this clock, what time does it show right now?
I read 5:21
